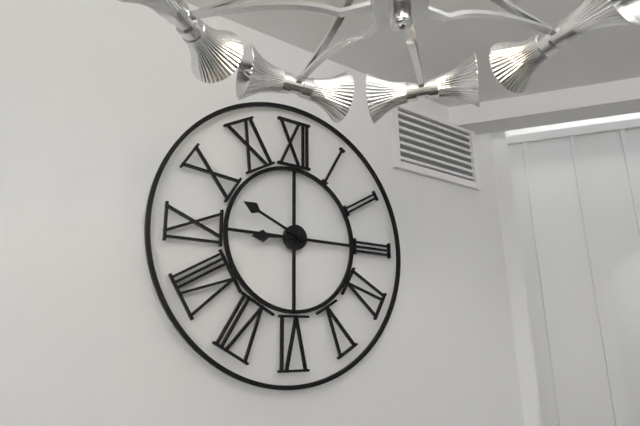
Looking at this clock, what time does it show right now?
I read 8:49
